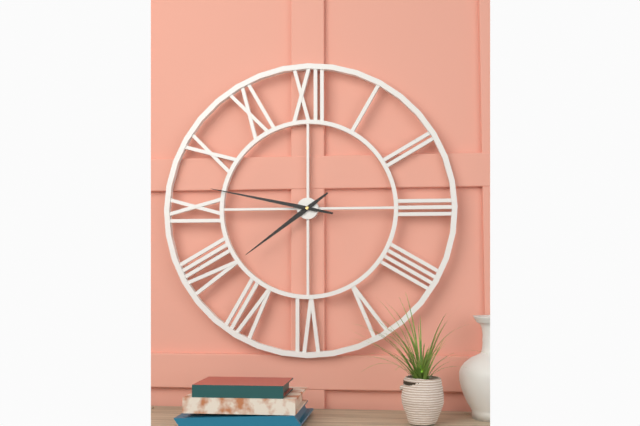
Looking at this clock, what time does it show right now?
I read 7:47
